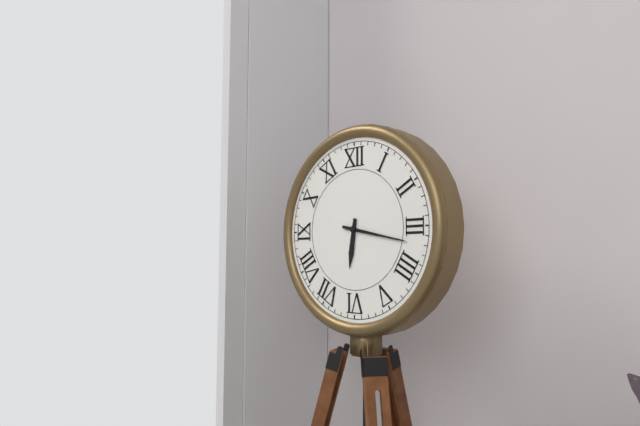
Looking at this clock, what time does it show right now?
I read 6:17
